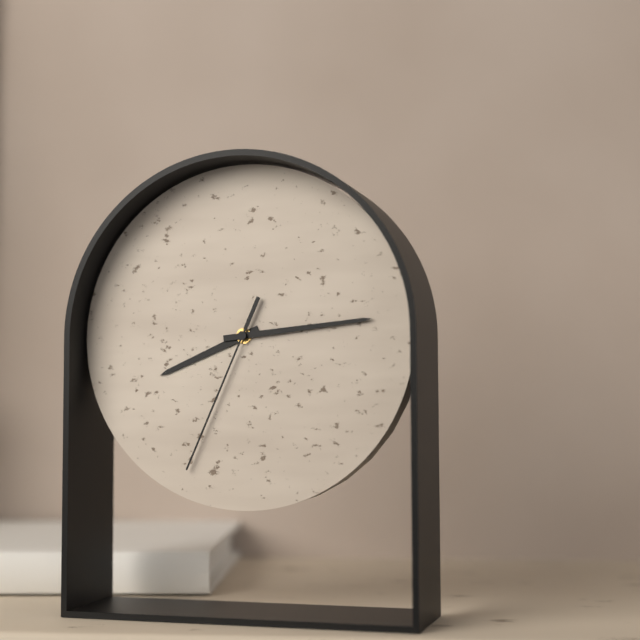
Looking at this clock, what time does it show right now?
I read 8:14:34
